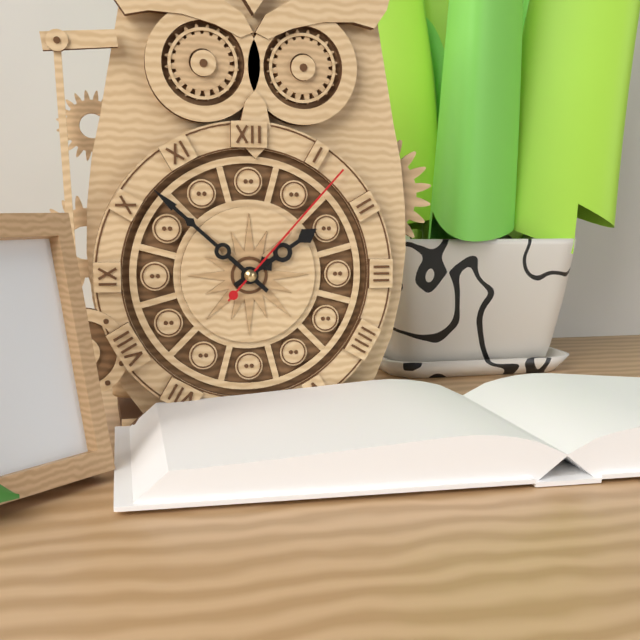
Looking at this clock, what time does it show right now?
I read 1:52:07
